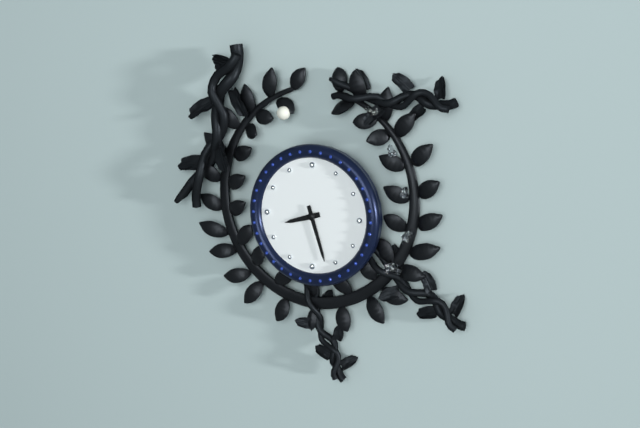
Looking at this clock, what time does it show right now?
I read 8:27
